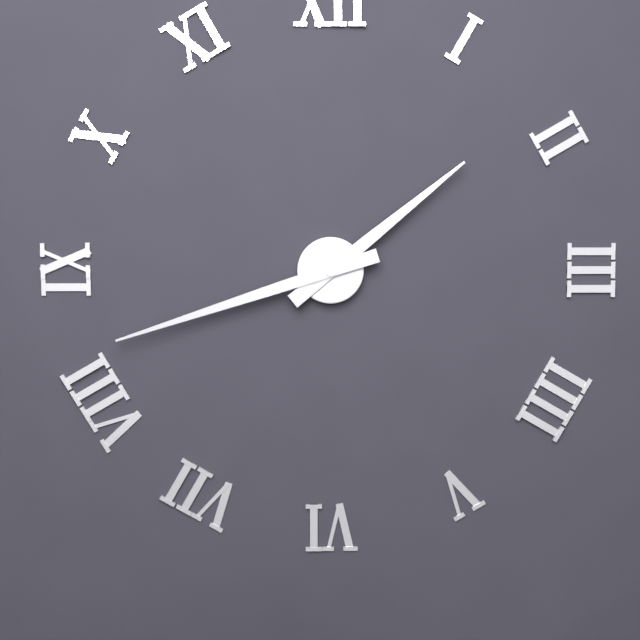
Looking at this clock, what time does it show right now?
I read 1:42
